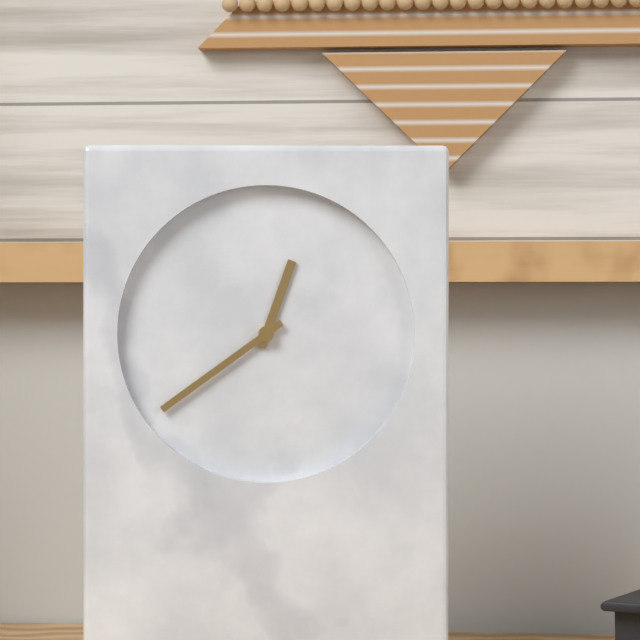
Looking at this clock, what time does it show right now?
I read 12:39
